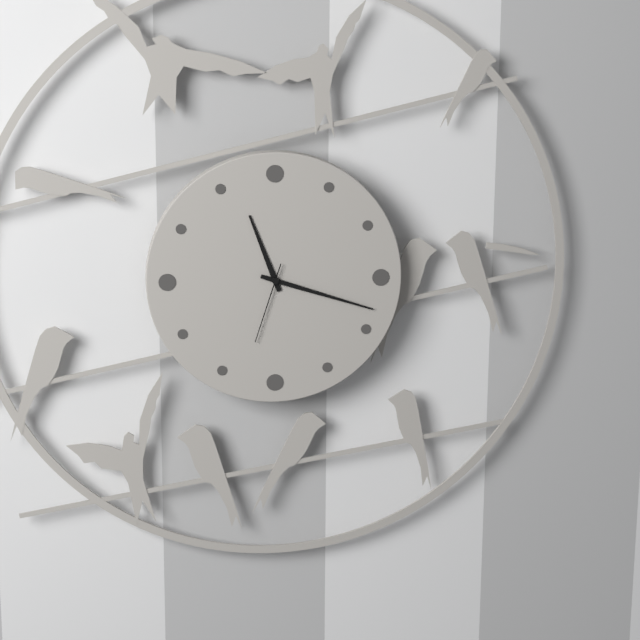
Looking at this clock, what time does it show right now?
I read 11:18:33
